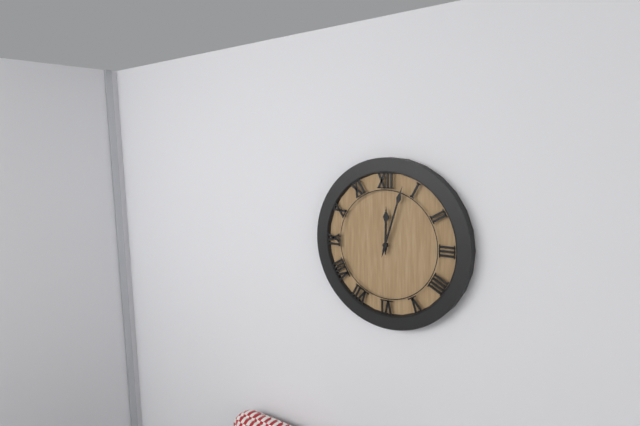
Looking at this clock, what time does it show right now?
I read 12:03
